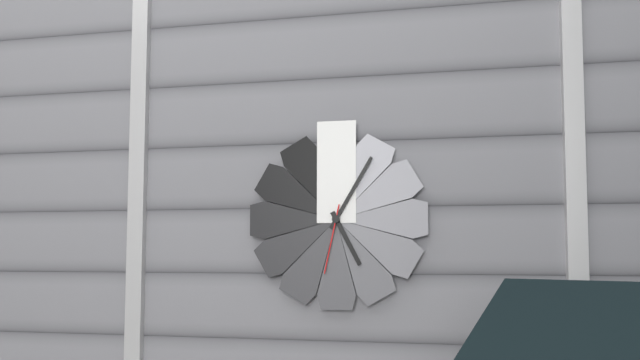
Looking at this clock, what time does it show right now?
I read 5:05:32
